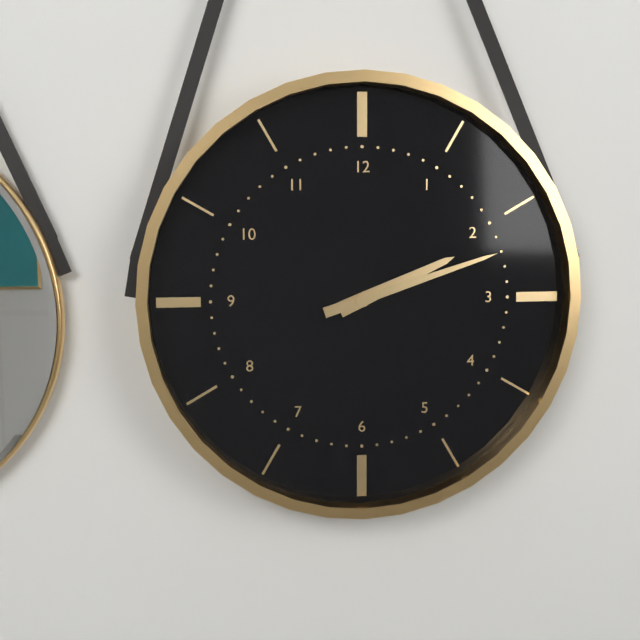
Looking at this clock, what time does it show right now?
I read 2:12
